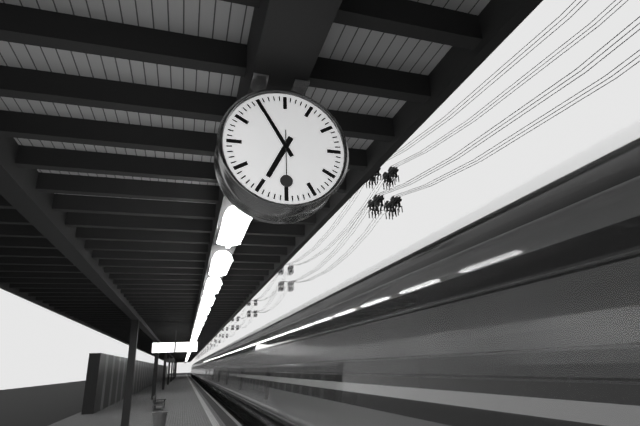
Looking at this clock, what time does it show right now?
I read 6:55
